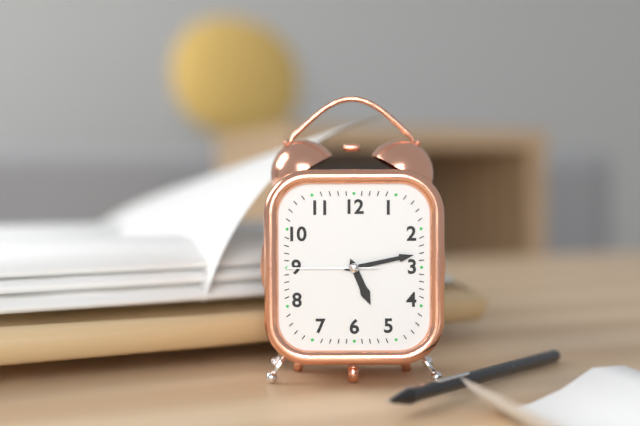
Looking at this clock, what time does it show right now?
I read 5:13:45
